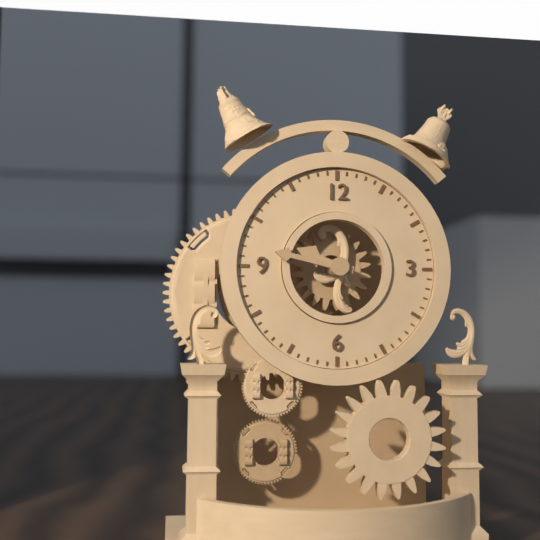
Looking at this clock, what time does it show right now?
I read 9:47
